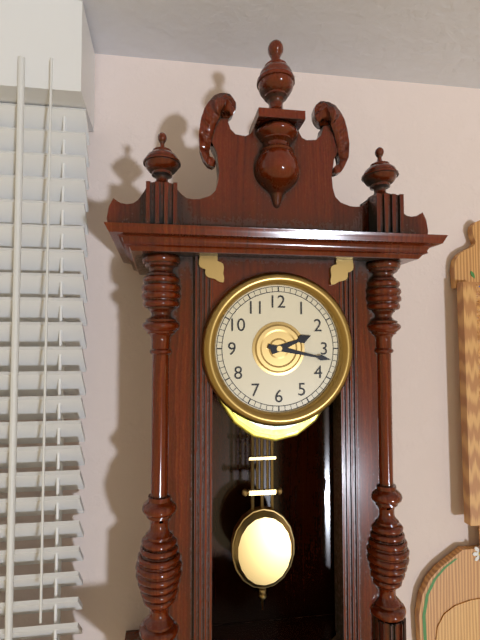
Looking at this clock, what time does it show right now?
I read 2:17
